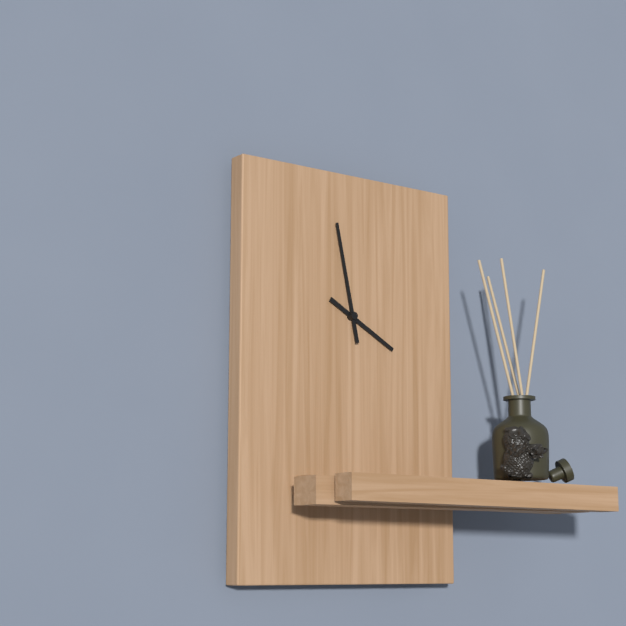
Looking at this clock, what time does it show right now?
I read 3:58
